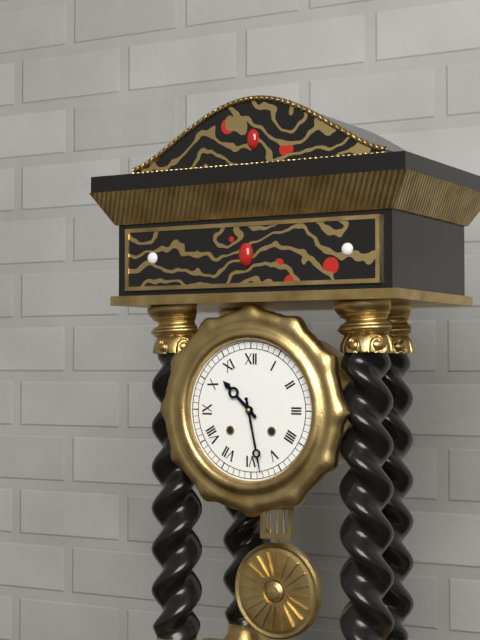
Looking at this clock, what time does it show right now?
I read 10:28
